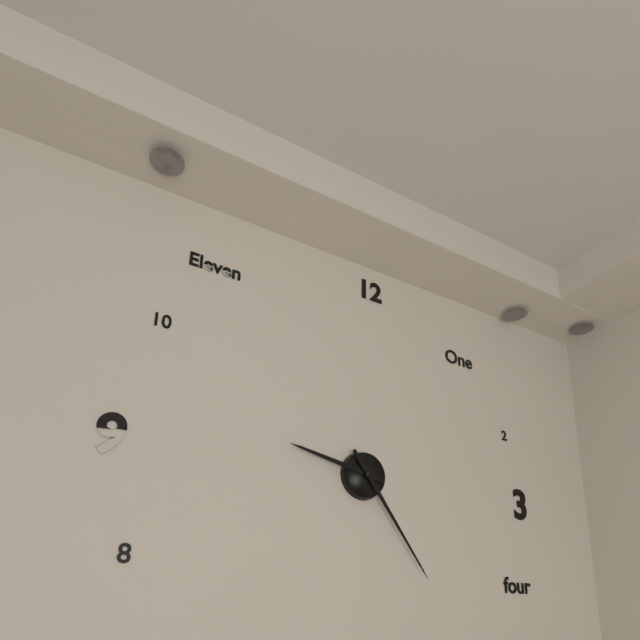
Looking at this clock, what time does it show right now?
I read 9:24
